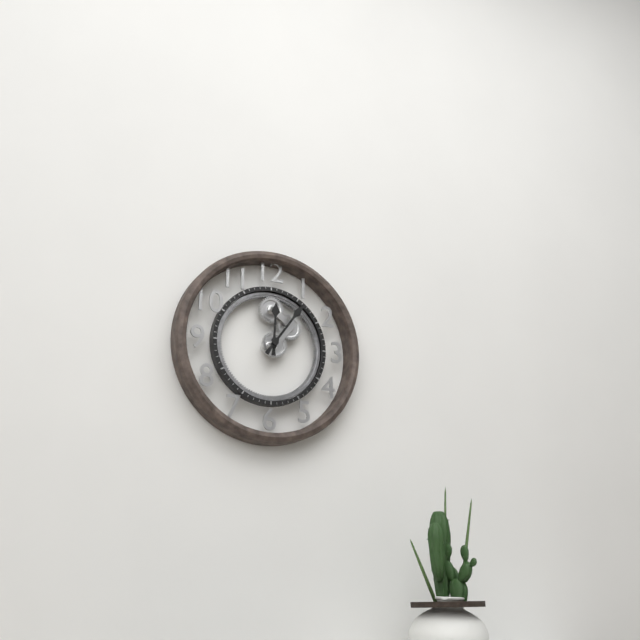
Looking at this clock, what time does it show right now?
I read 12:06
